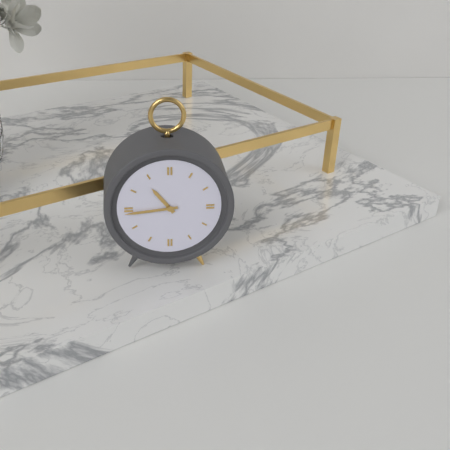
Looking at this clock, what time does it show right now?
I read 10:44
